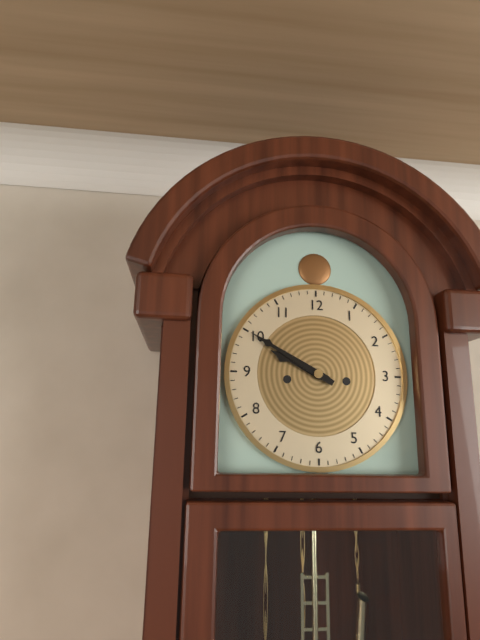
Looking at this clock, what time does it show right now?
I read 9:50
